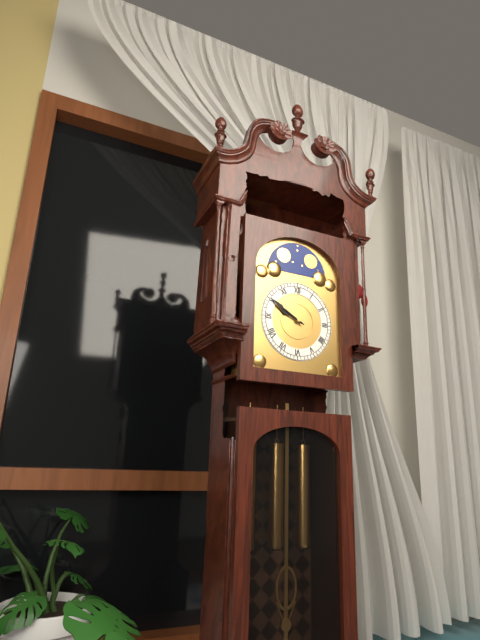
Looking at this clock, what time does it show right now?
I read 9:50
